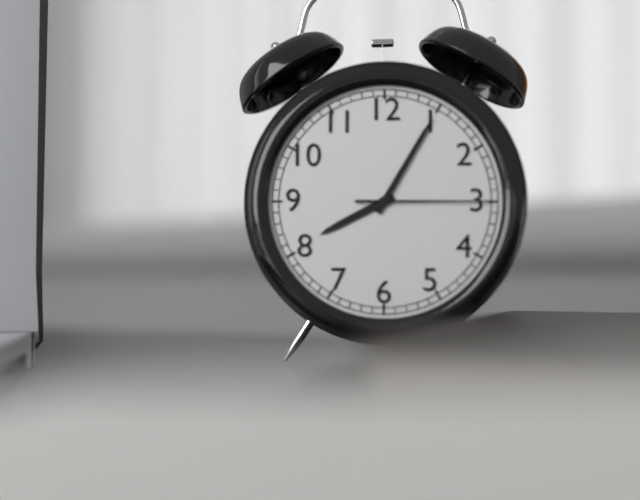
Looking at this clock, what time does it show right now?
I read 8:05:15
